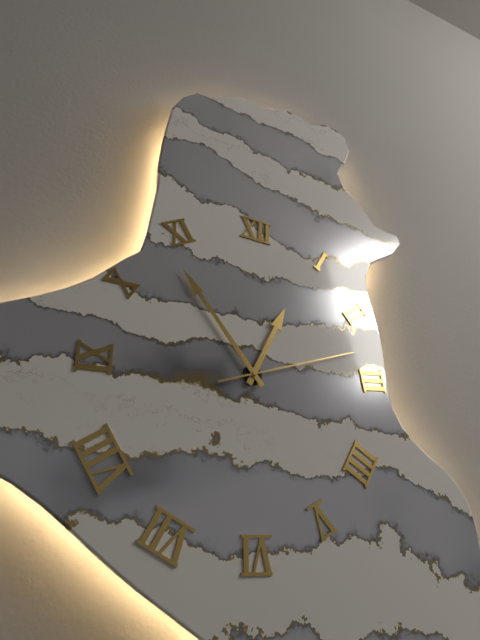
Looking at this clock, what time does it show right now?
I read 12:54:12
